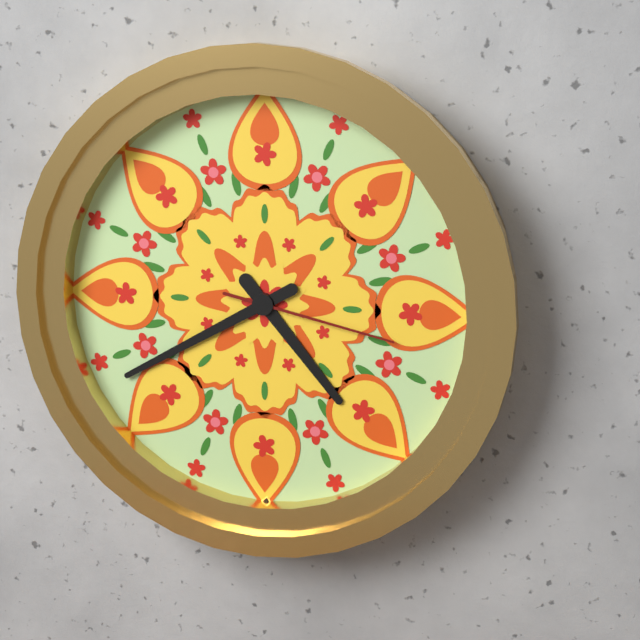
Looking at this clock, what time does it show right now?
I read 4:40:17
